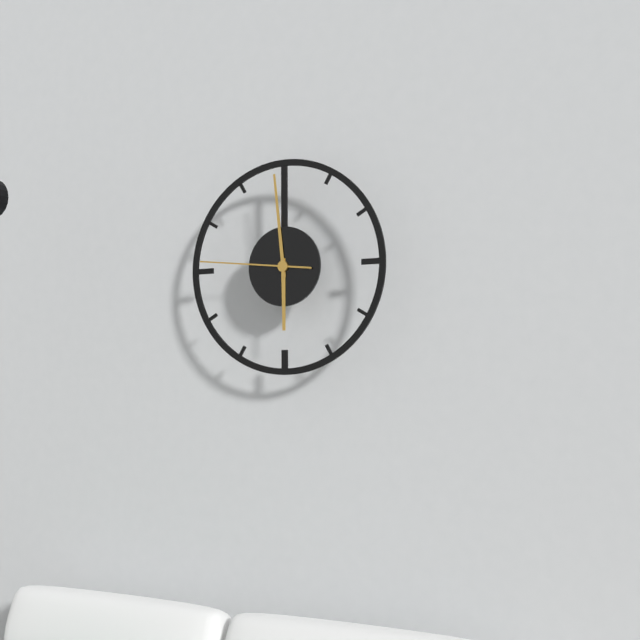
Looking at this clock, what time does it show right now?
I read 5:59:46
